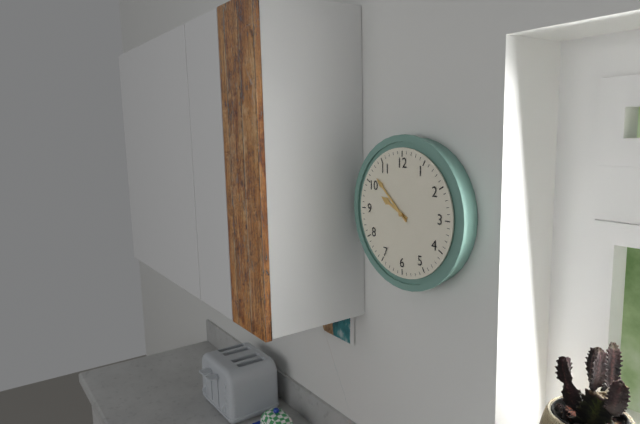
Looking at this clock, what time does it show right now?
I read 9:52
